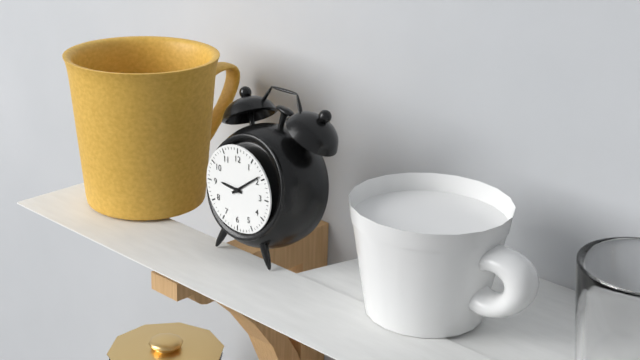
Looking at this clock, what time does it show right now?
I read 9:09
